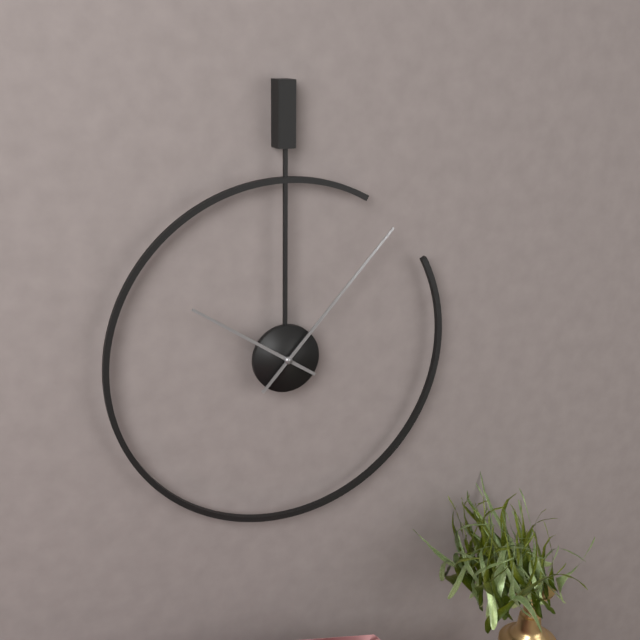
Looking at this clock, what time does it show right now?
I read 10:07
